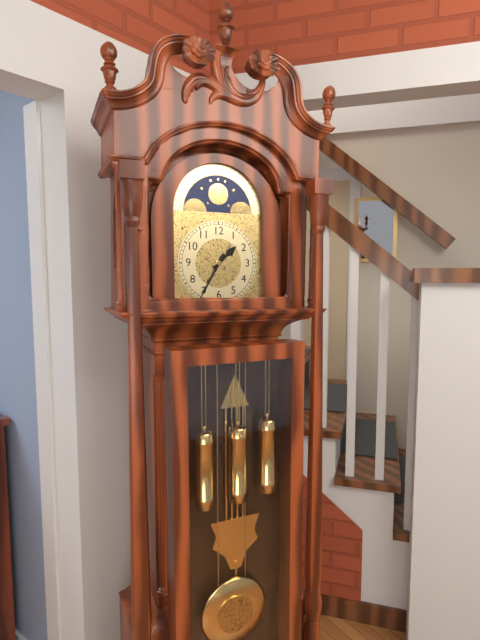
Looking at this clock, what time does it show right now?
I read 1:35
